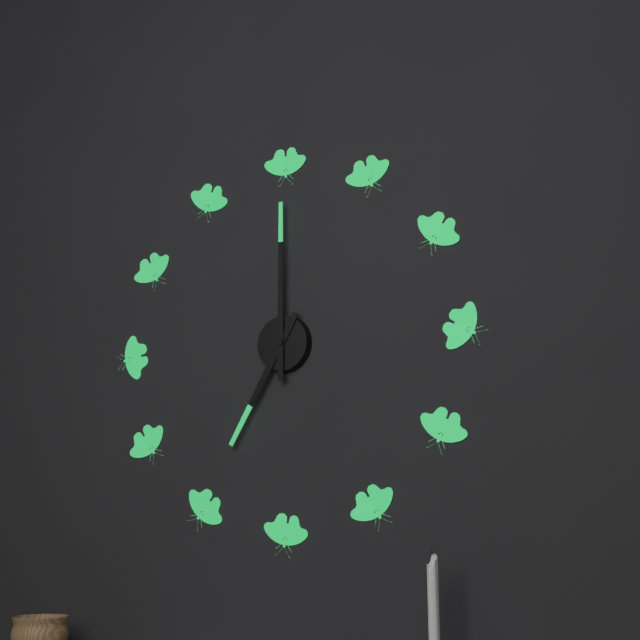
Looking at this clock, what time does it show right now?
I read 7:00
